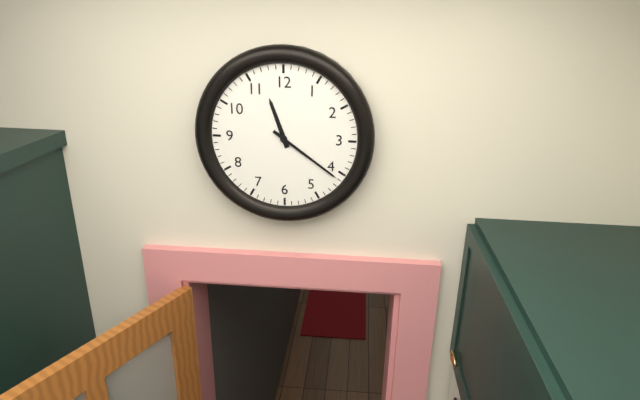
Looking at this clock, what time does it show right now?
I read 11:21
